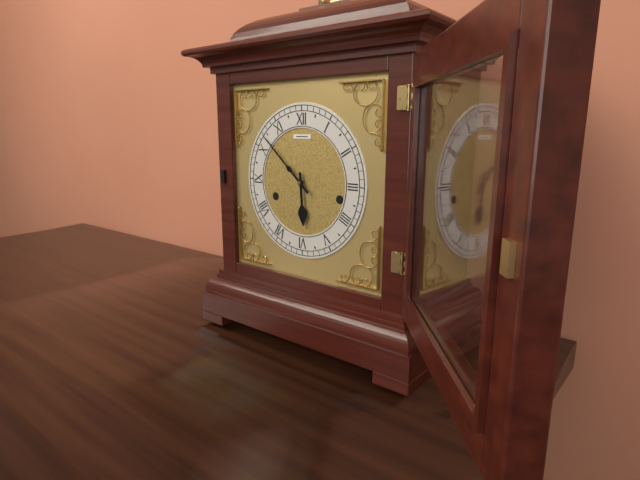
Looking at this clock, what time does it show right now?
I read 5:52
